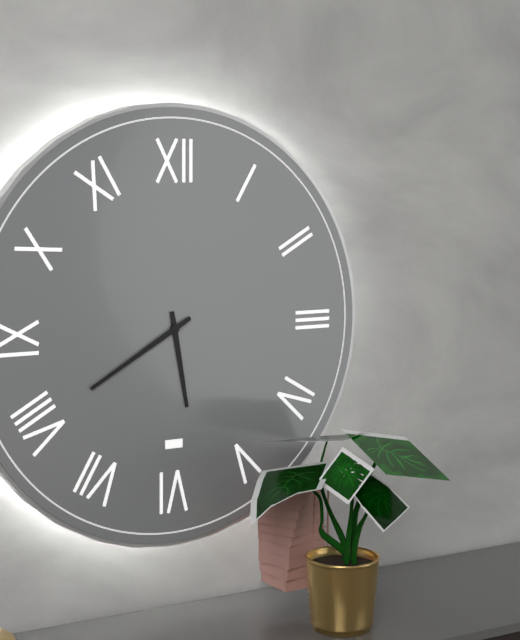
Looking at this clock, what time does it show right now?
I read 5:40
